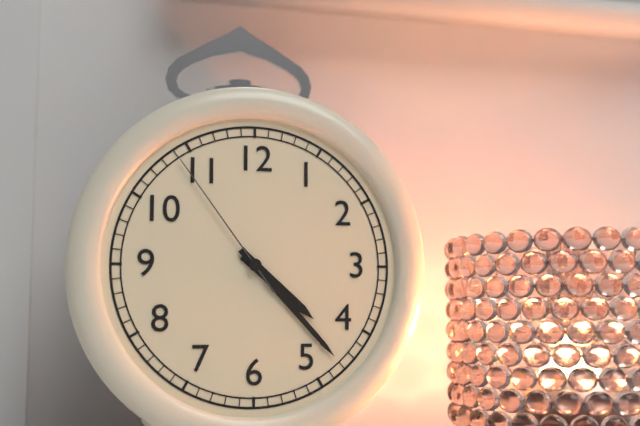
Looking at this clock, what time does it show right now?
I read 4:23:54
